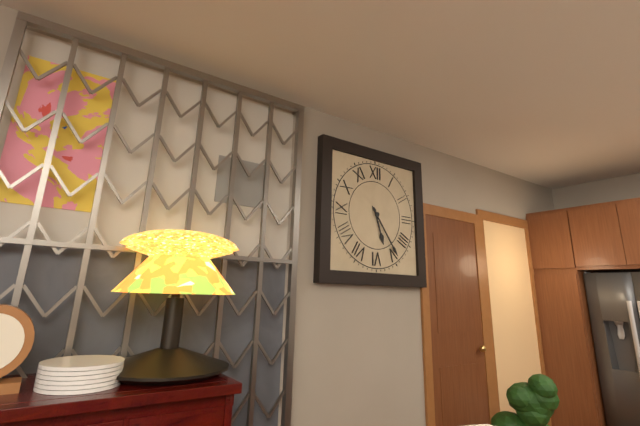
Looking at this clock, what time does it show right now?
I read 5:24
